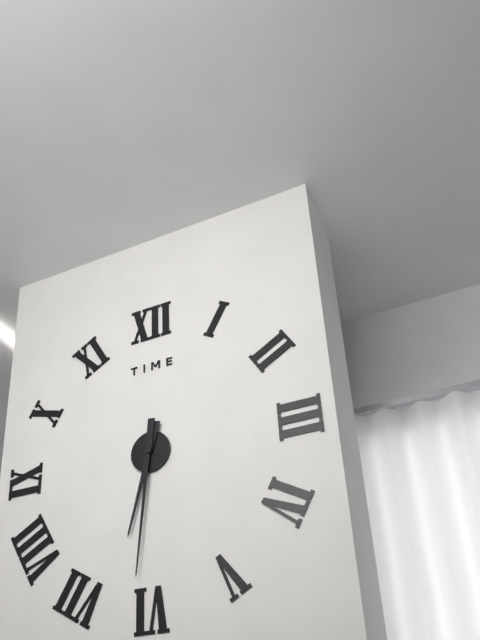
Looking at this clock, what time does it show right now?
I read 6:31
